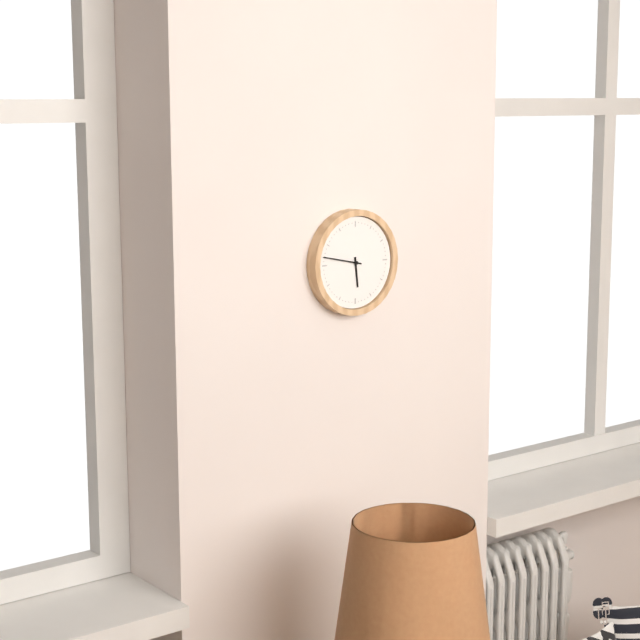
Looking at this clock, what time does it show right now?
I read 5:47
